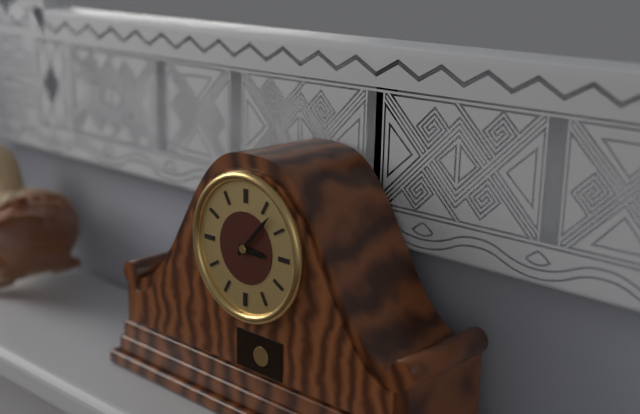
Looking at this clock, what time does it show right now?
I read 3:07
